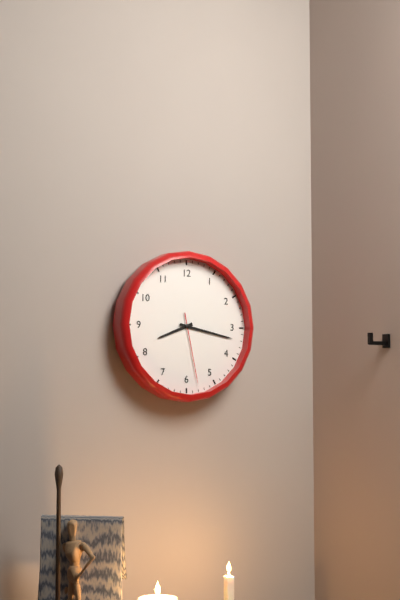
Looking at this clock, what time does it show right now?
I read 8:17:28
